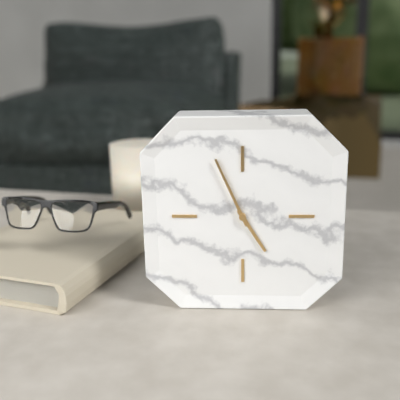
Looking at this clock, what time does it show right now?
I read 4:56
